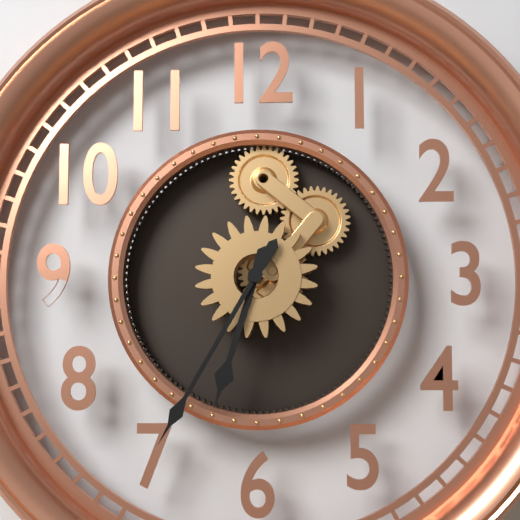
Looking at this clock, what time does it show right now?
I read 6:35
